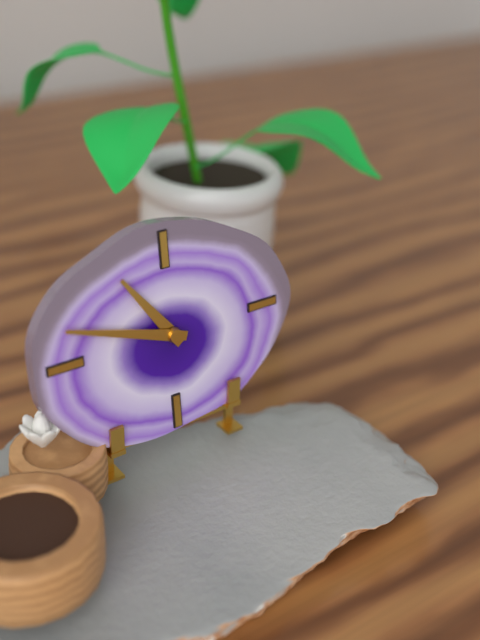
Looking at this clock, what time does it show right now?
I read 10:48
